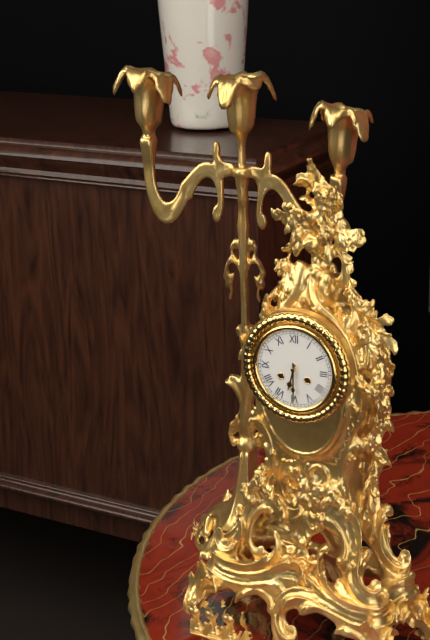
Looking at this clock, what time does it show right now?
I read 6:30
